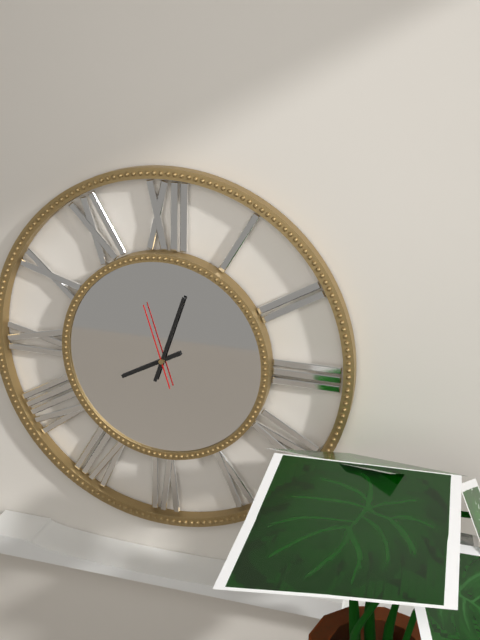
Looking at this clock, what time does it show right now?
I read 8:03:57
